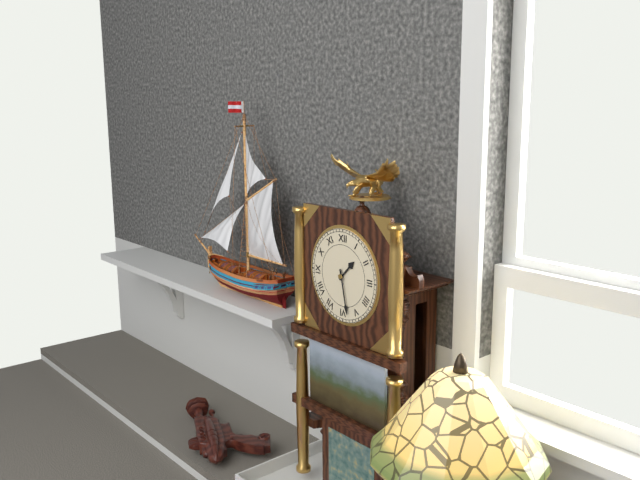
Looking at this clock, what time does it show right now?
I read 1:28
